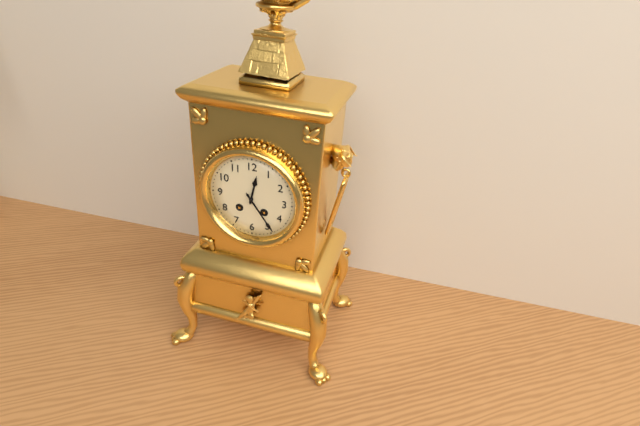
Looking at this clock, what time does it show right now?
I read 12:24
